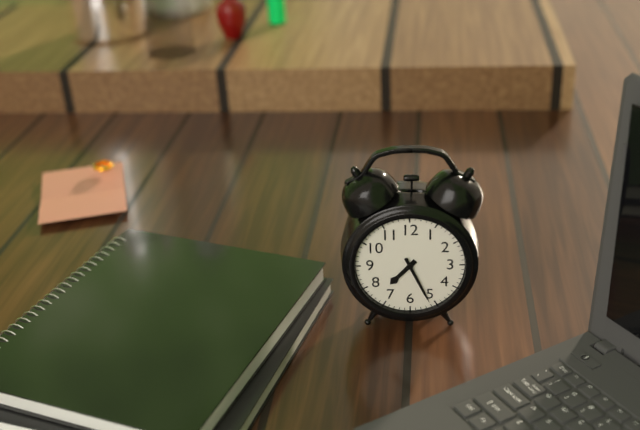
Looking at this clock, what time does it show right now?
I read 7:26
